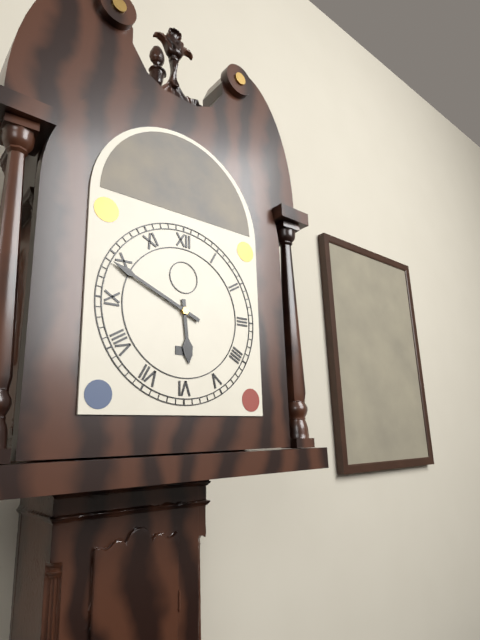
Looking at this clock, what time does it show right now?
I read 5:49
